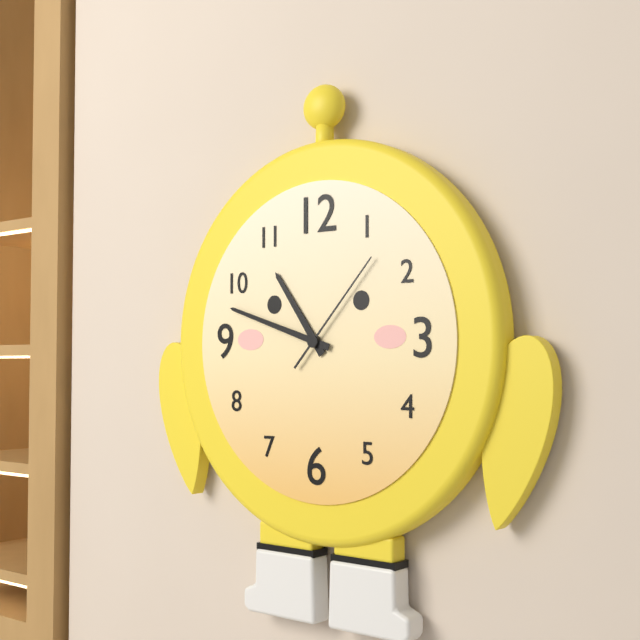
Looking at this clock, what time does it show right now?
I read 10:48:07
